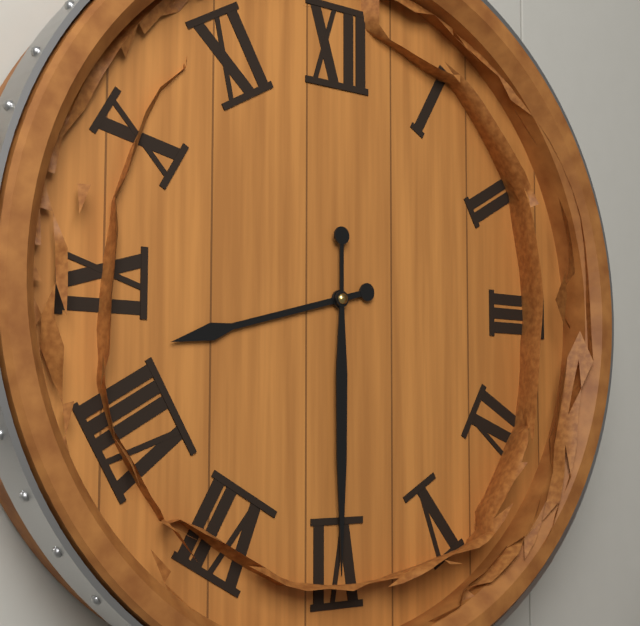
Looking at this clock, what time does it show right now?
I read 8:30
